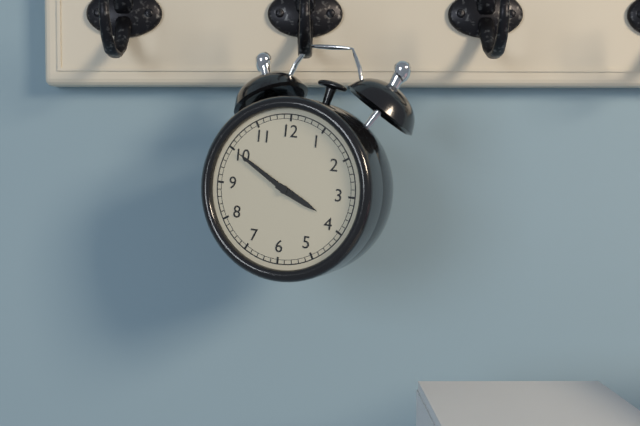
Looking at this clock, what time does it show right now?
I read 3:50
